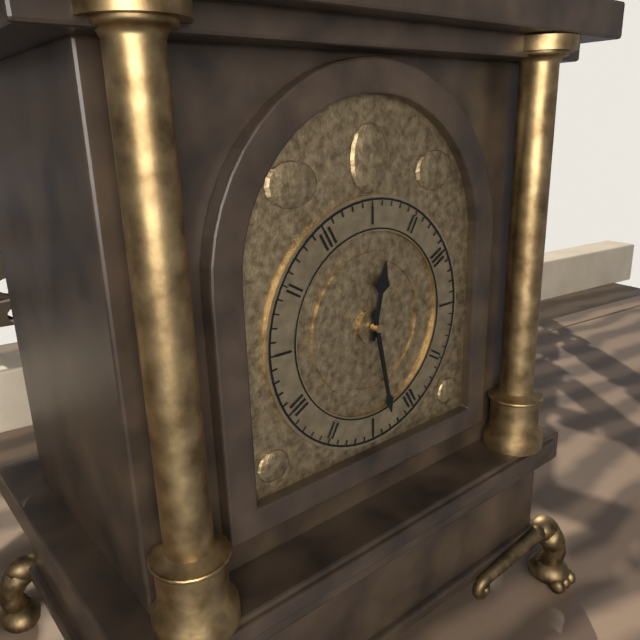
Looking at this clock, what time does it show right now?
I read 12:28
